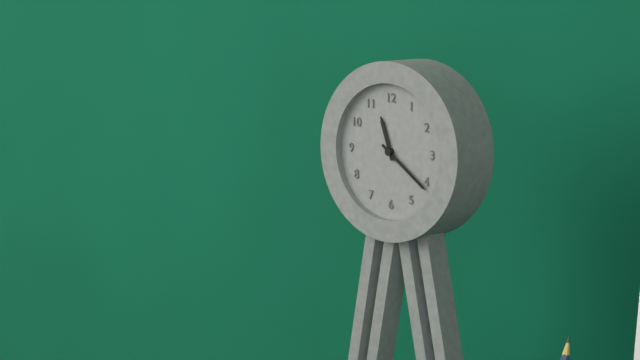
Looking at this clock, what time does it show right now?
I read 11:21
